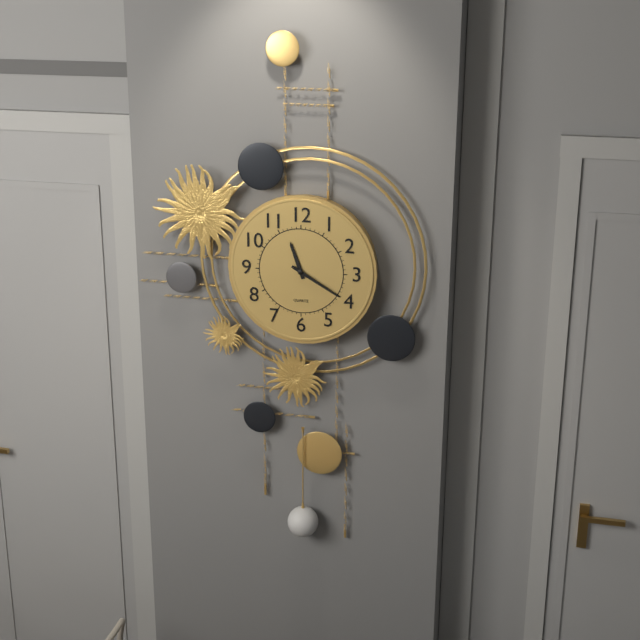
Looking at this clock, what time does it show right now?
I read 11:20
